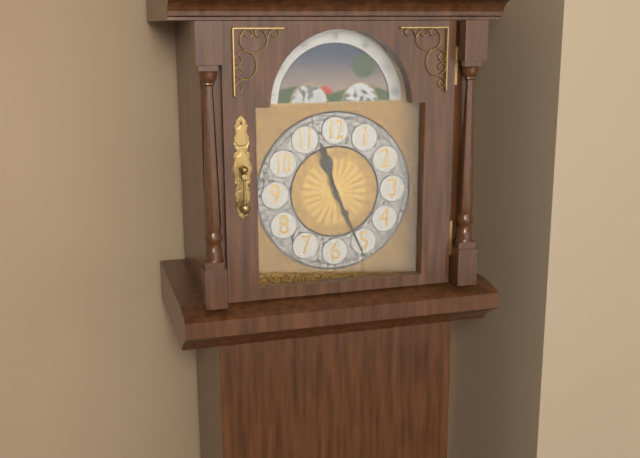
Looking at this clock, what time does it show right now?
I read 11:26
